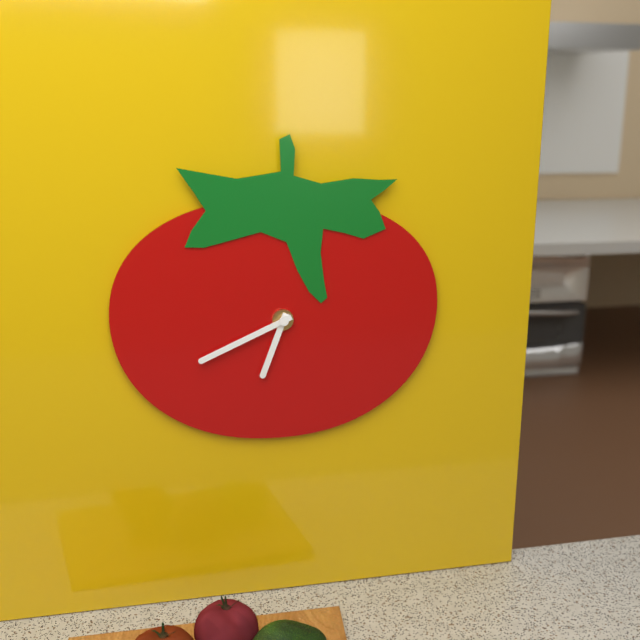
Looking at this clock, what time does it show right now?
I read 6:41
